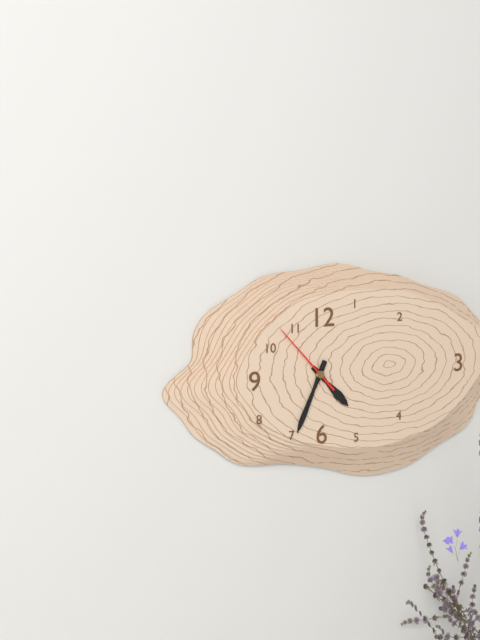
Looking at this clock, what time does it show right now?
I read 4:34:53
